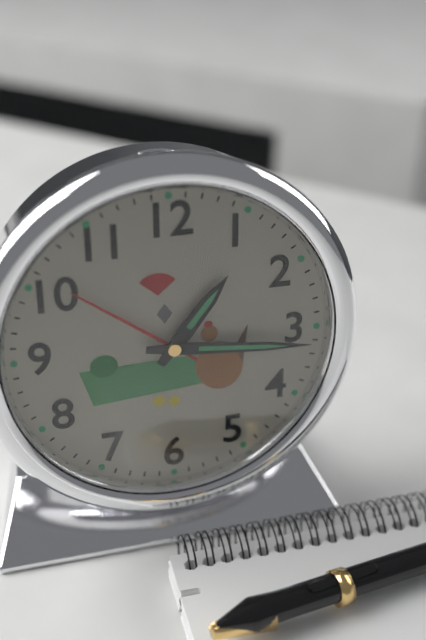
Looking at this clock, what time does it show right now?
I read 1:16
